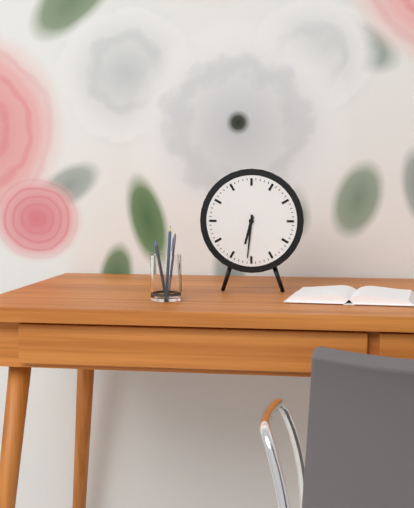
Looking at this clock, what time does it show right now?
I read 6:31
